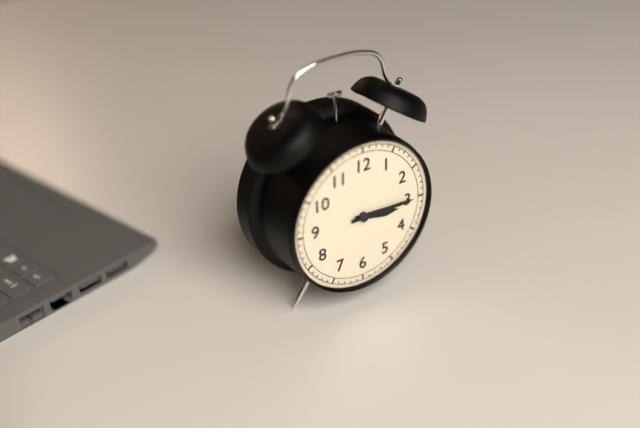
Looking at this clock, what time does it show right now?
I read 3:15
